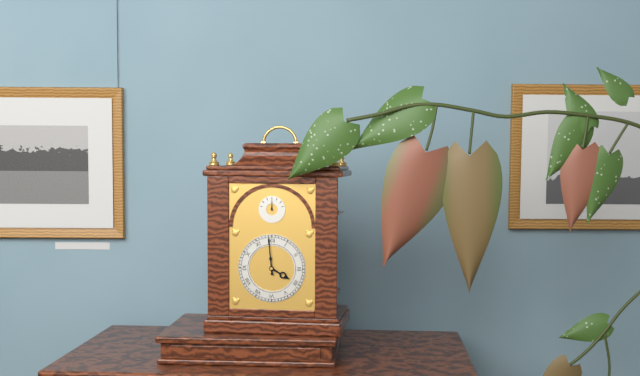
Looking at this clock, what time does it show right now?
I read 3:59
